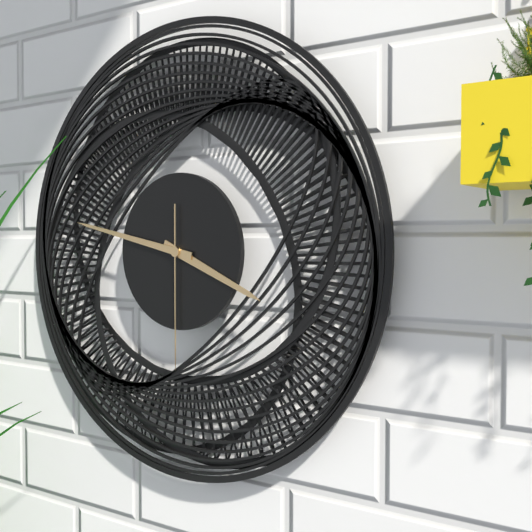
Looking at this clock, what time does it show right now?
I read 3:47:30
